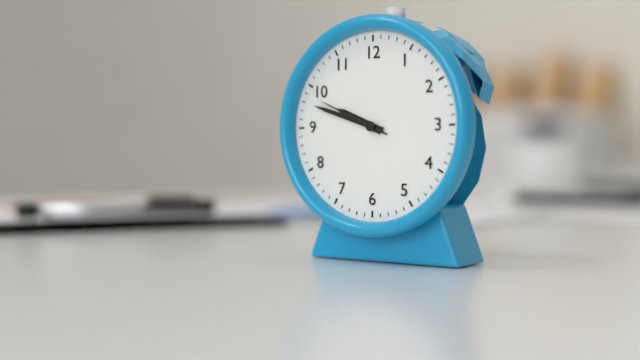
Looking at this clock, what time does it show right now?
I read 9:48:49
